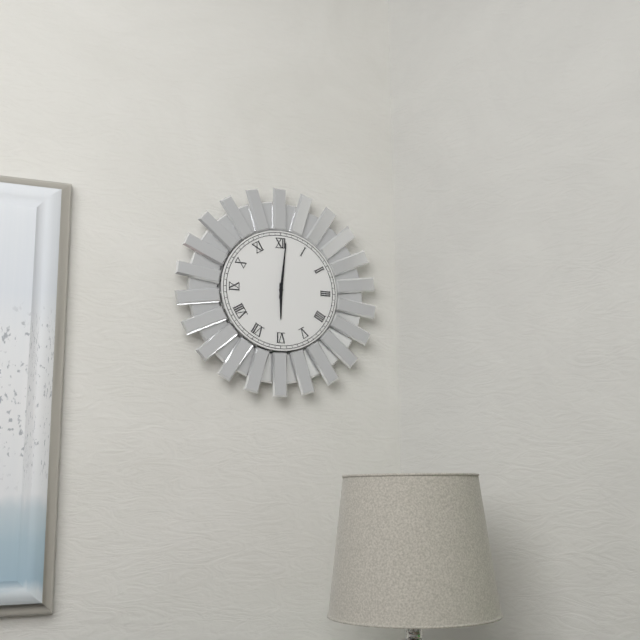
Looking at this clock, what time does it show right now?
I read 6:01
